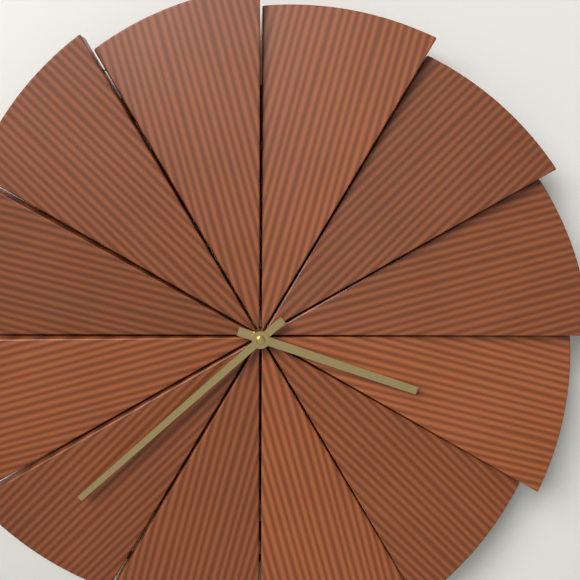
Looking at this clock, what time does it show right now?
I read 3:38
